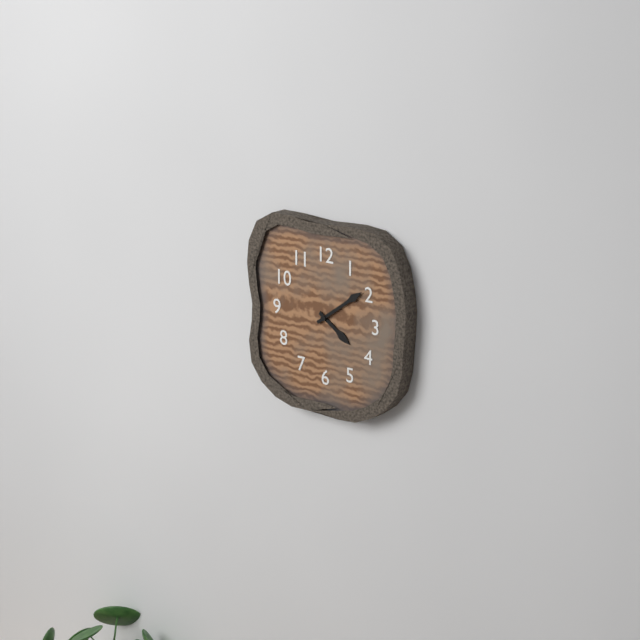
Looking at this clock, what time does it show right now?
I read 4:09
